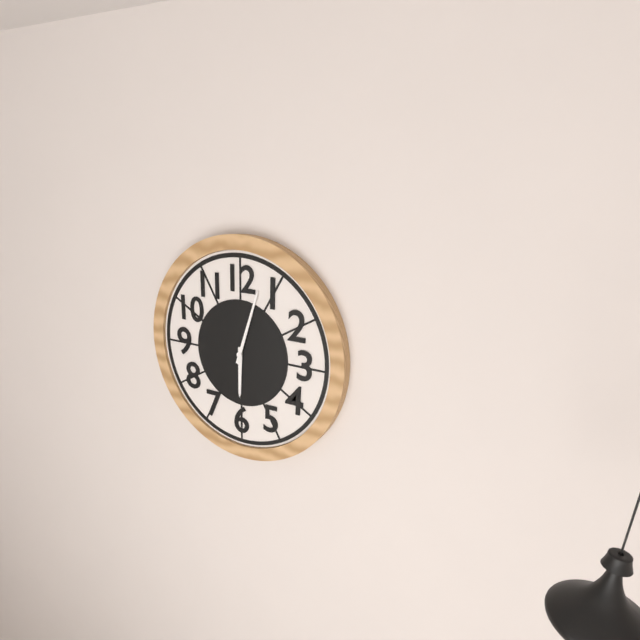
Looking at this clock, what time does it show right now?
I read 6:03
